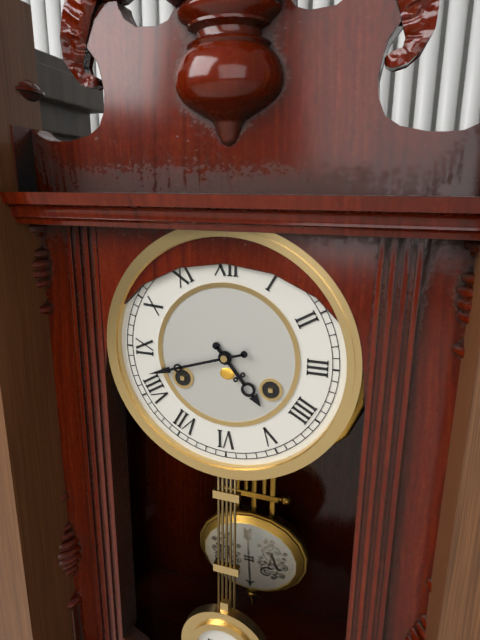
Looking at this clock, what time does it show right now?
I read 4:42
